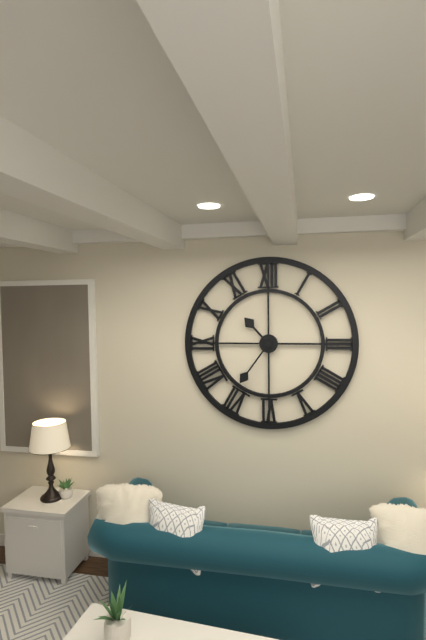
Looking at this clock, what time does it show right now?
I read 10:36
